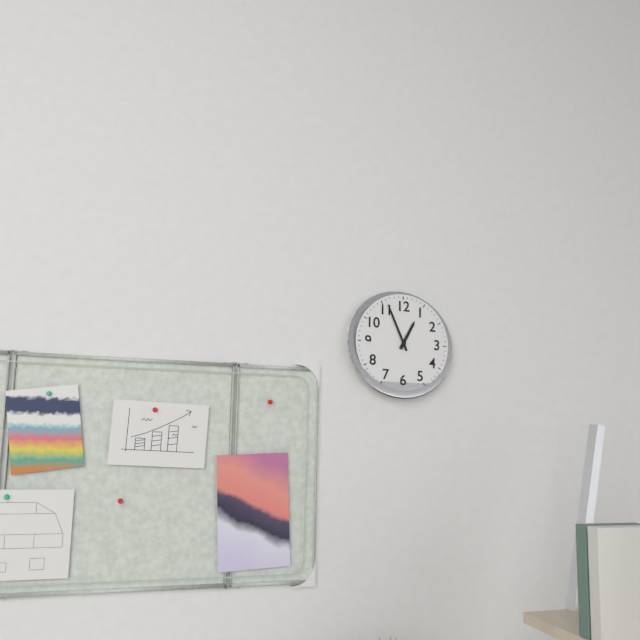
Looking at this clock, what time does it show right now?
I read 12:56
